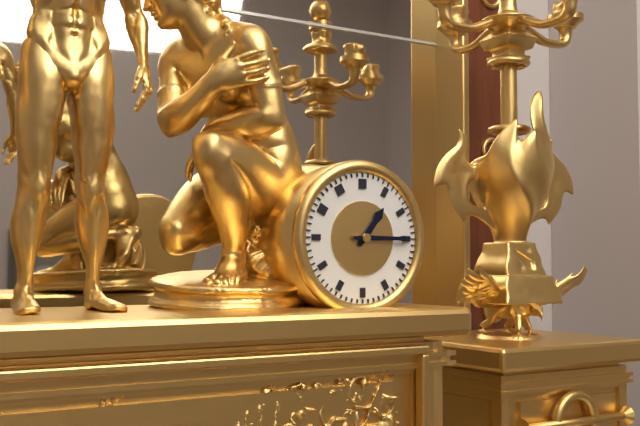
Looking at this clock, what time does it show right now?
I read 1:15
